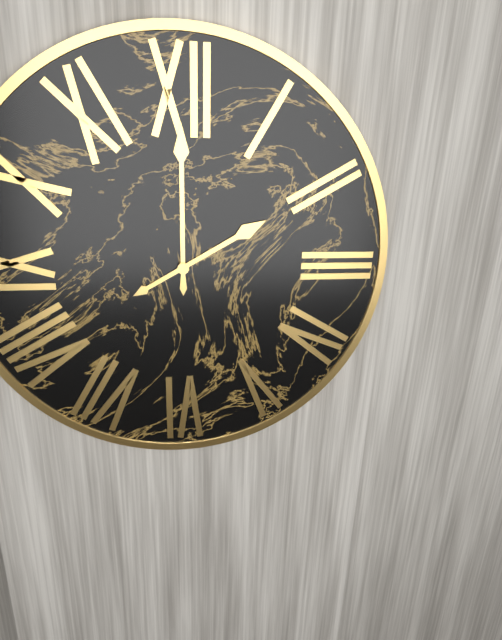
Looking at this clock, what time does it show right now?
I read 2:00
